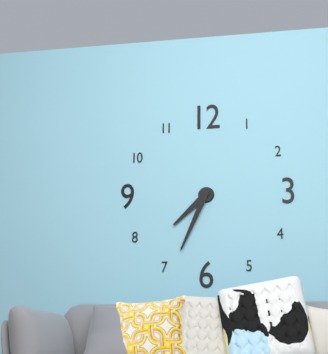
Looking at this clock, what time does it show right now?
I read 7:34
